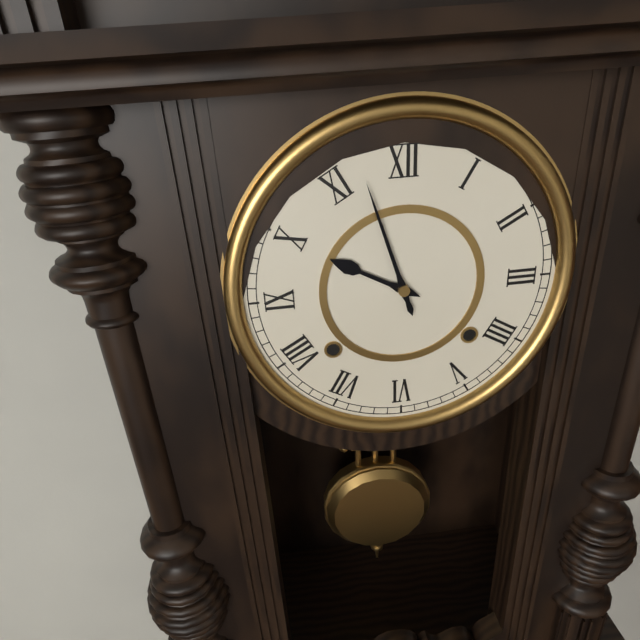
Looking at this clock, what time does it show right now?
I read 9:57
